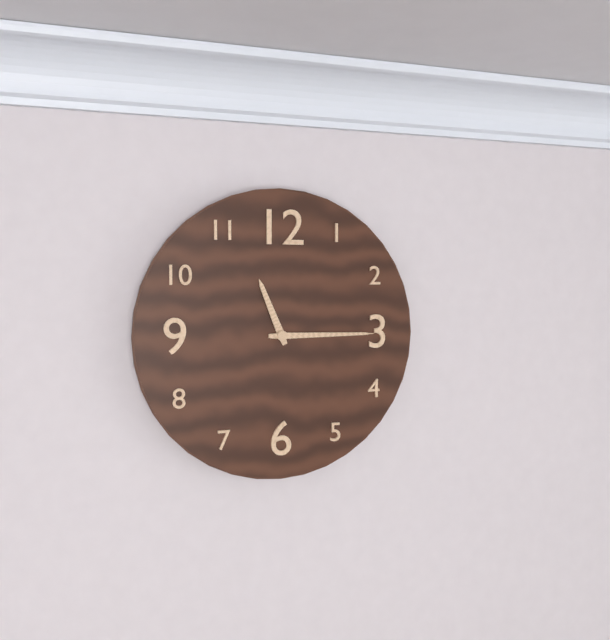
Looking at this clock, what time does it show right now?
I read 11:15
